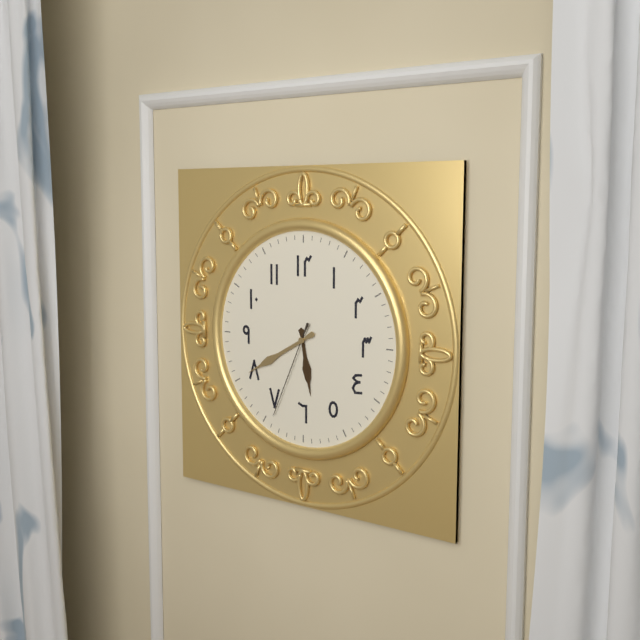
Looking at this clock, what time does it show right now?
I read 5:40:34
